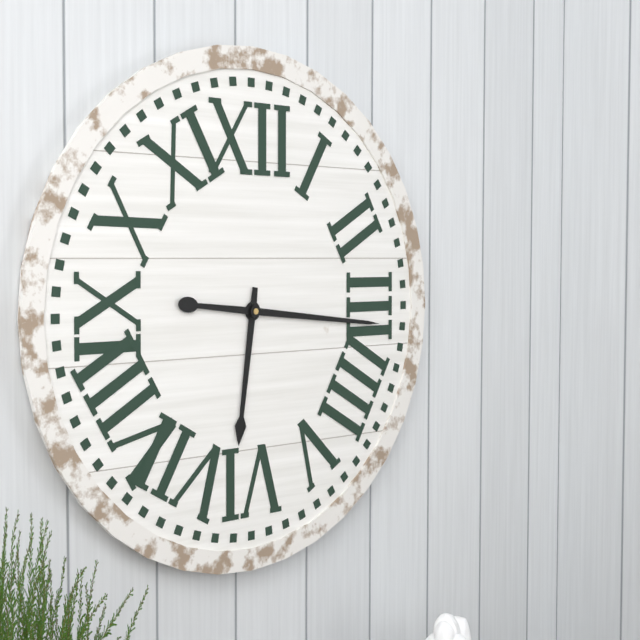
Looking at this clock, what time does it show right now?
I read 6:16
